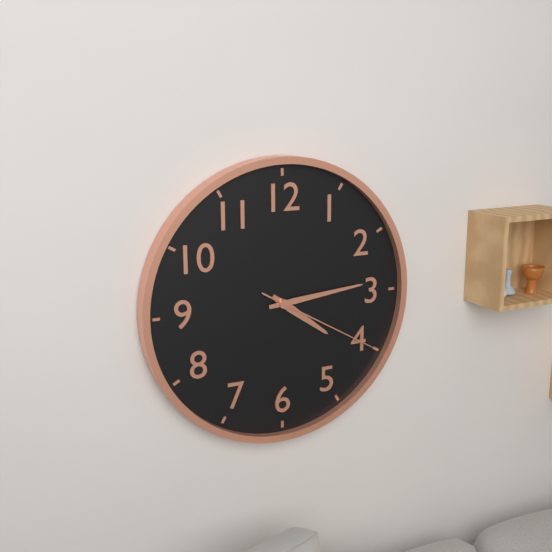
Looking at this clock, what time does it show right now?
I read 4:14:20
